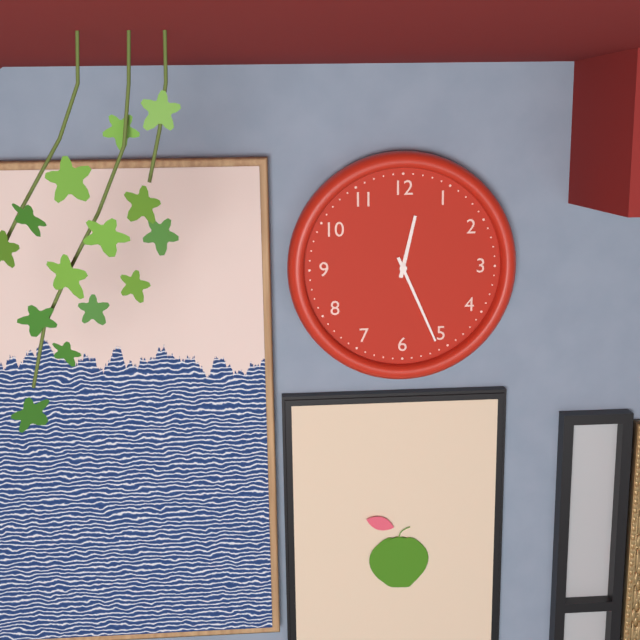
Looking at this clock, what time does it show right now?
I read 12:26
